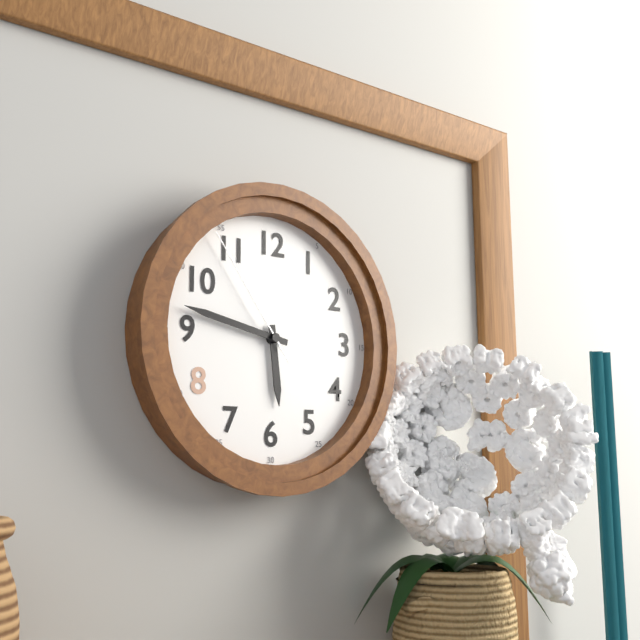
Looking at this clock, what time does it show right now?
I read 5:47:54
